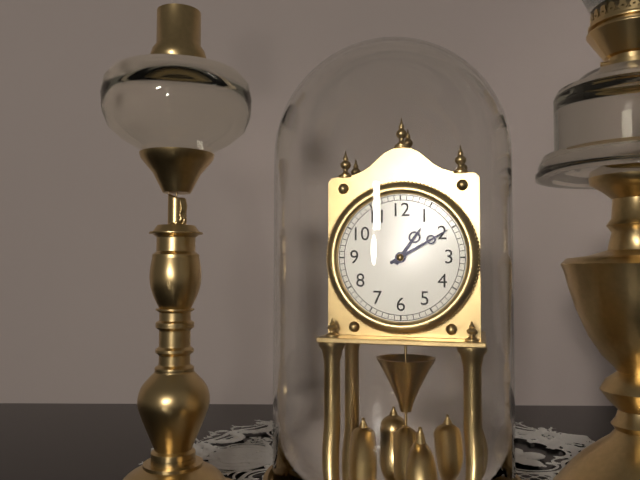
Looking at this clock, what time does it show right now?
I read 1:10
